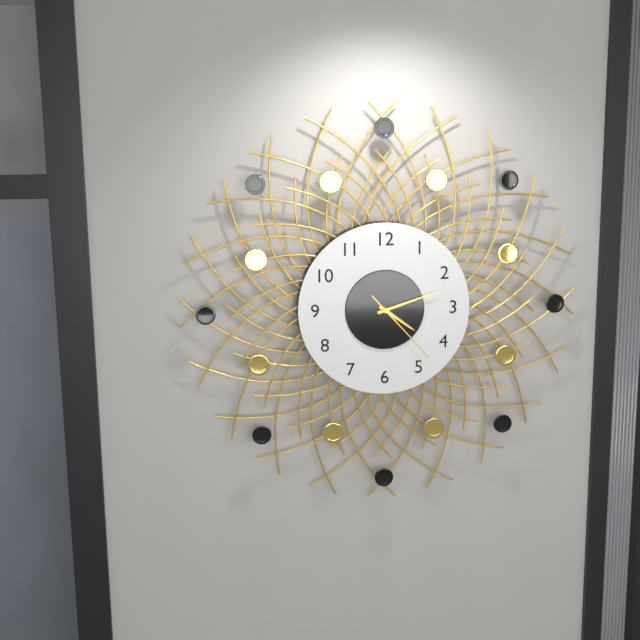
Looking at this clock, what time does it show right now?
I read 4:12:23
